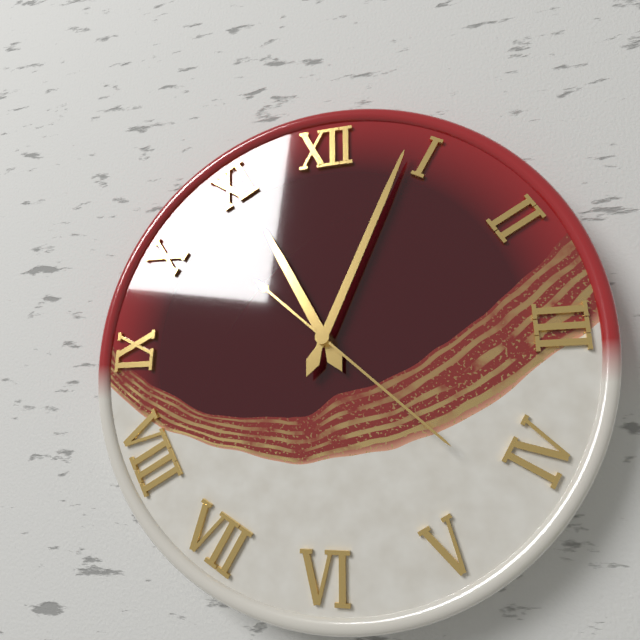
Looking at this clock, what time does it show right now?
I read 11:04:22
